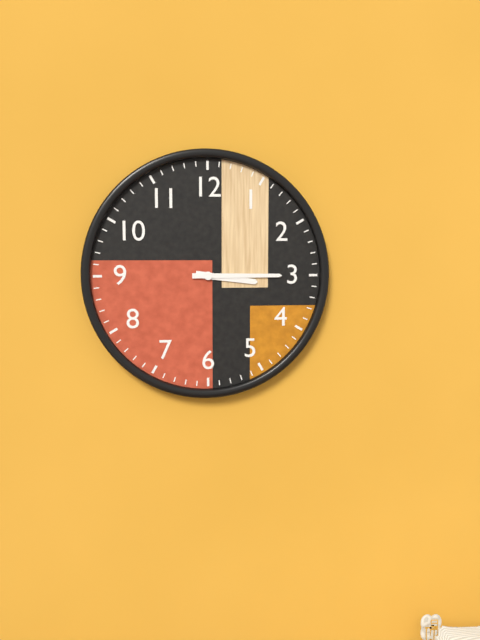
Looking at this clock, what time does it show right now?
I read 3:15
